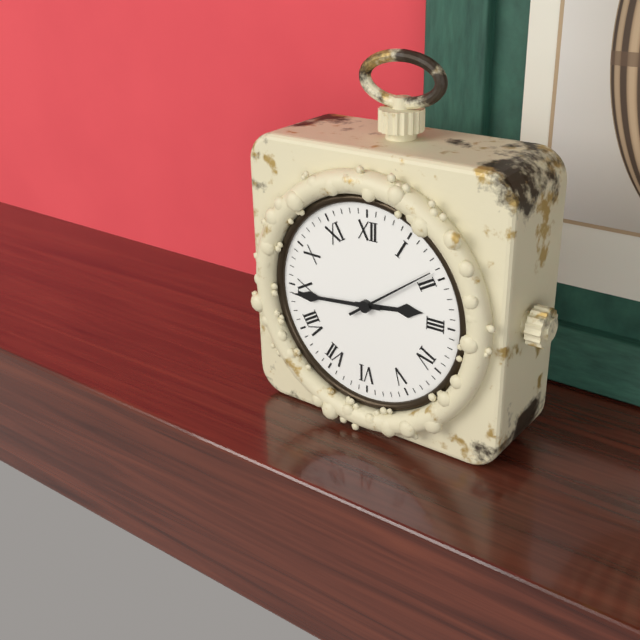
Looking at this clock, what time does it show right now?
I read 2:44:09
